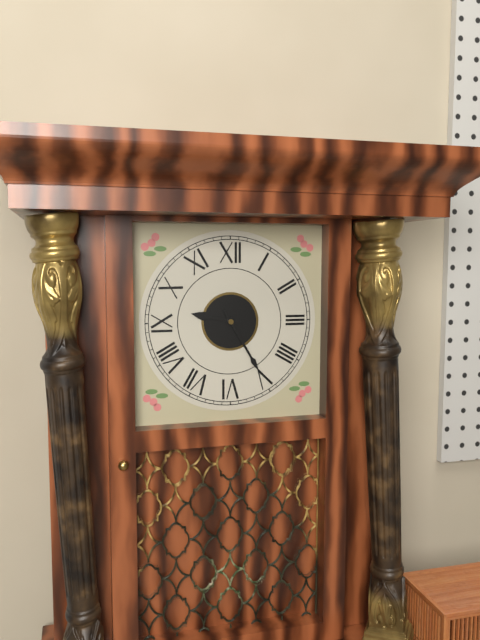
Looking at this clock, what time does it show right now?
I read 9:25
